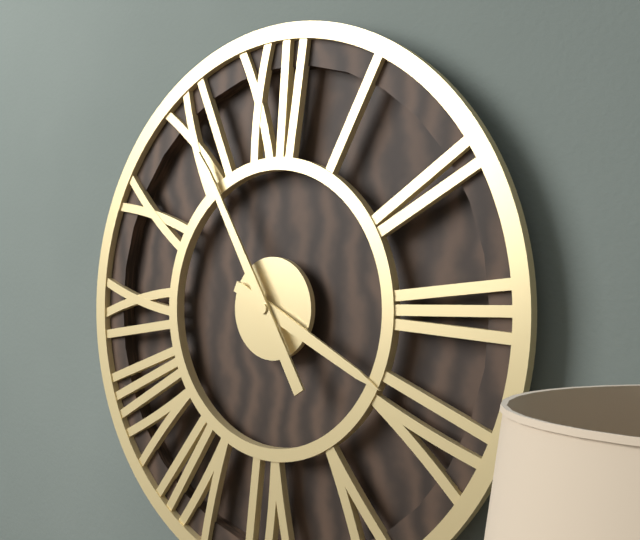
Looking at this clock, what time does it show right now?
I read 3:55
